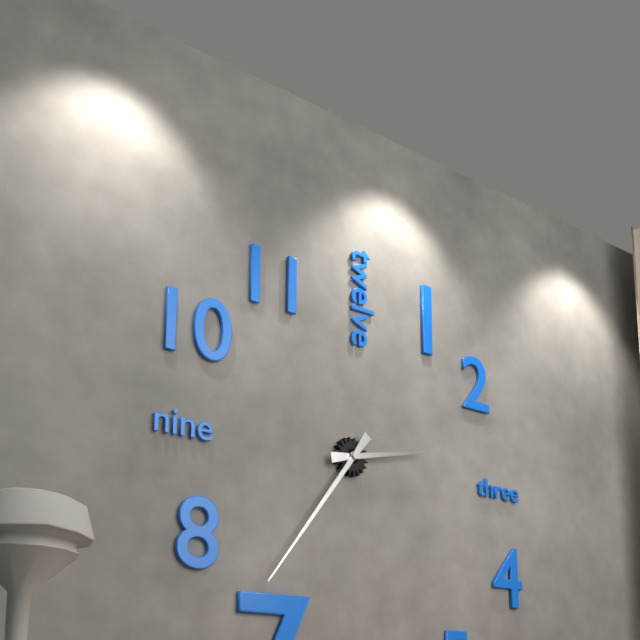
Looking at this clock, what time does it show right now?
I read 2:36
